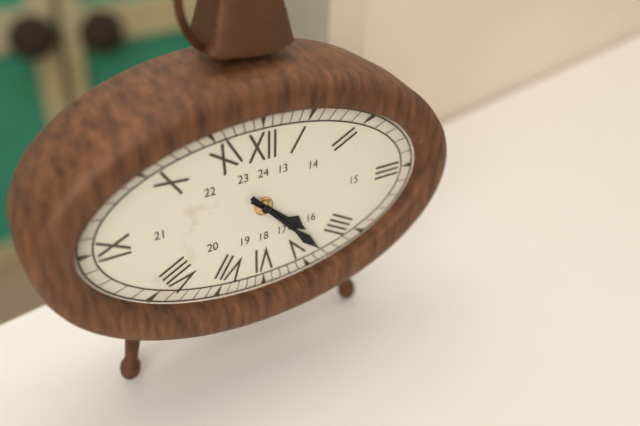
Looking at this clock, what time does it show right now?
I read 4:23
